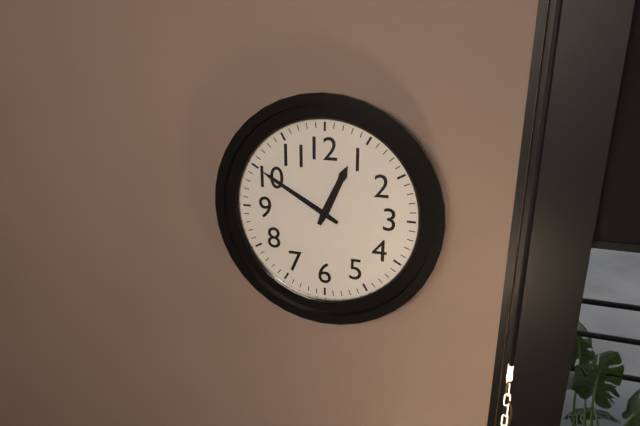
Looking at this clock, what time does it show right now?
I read 12:50
